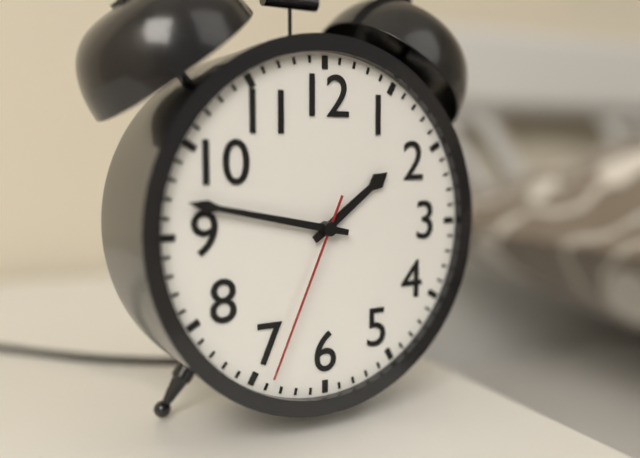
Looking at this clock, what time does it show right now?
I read 1:47:34
